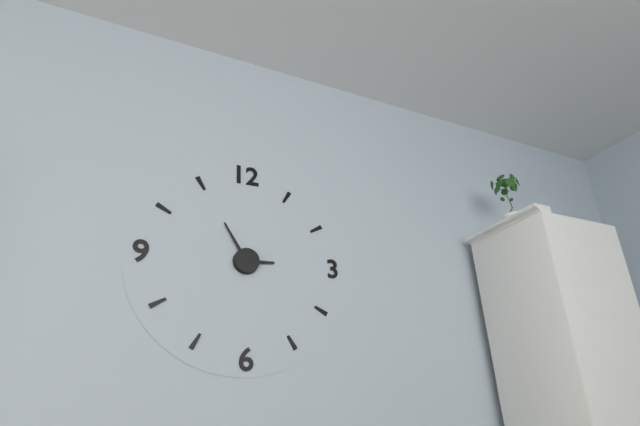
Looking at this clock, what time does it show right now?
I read 2:55
